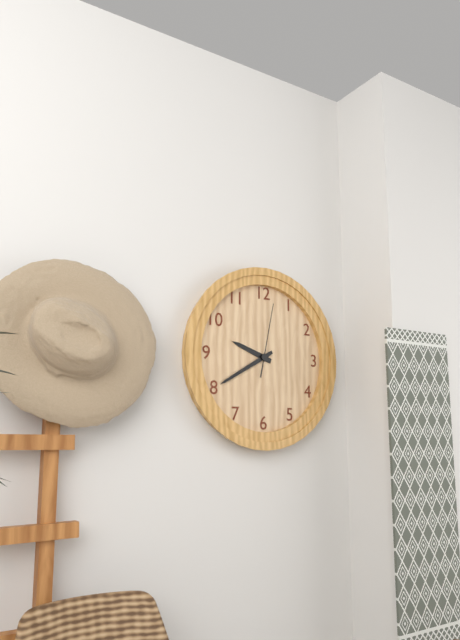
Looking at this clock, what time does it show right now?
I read 9:40:02
